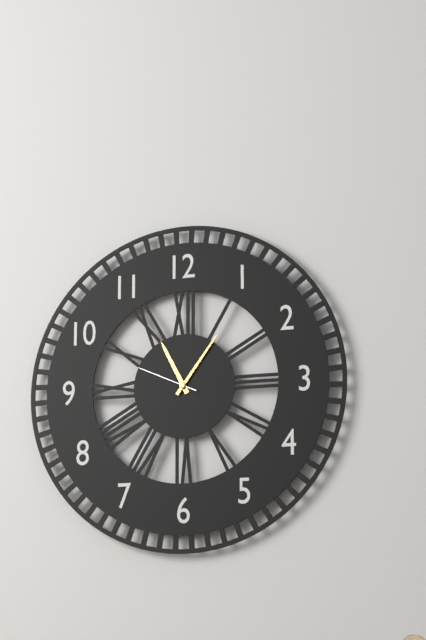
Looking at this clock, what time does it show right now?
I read 11:06:49
